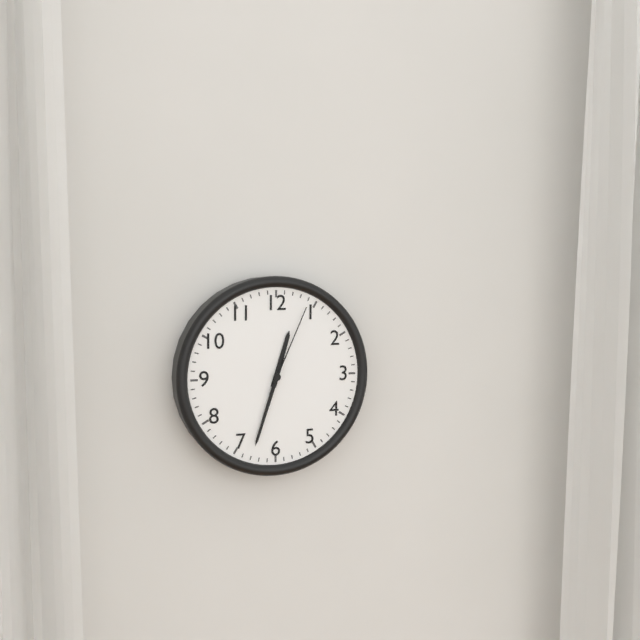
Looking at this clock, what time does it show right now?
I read 12:33:04
